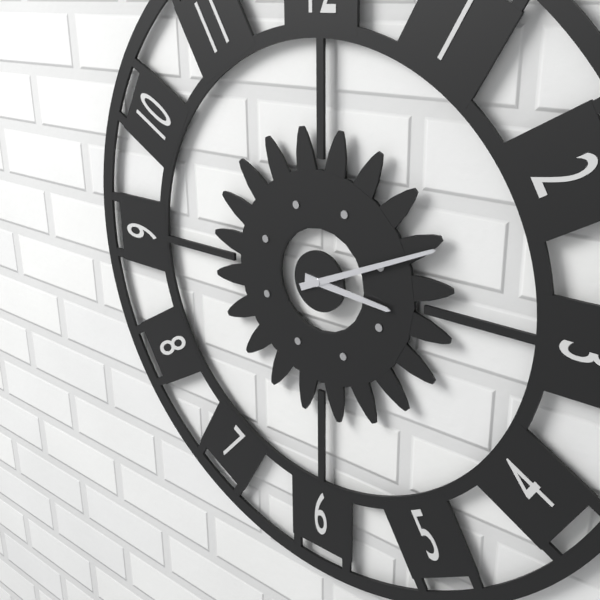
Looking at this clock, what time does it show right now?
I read 3:11
